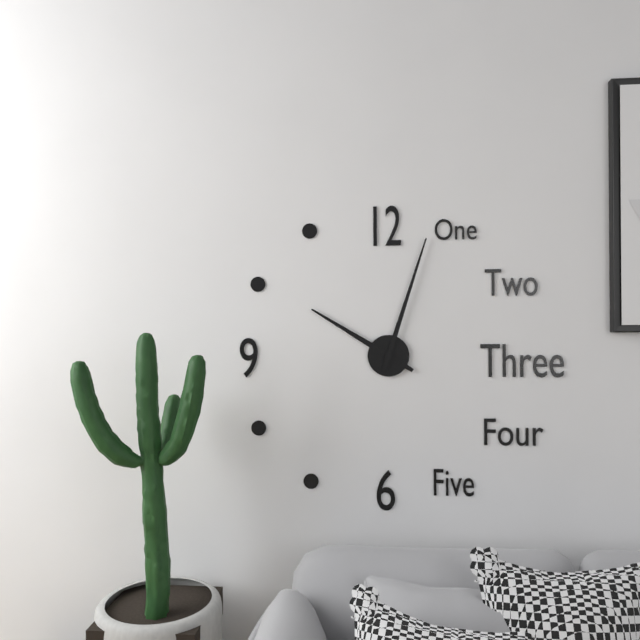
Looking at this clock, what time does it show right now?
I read 10:03
